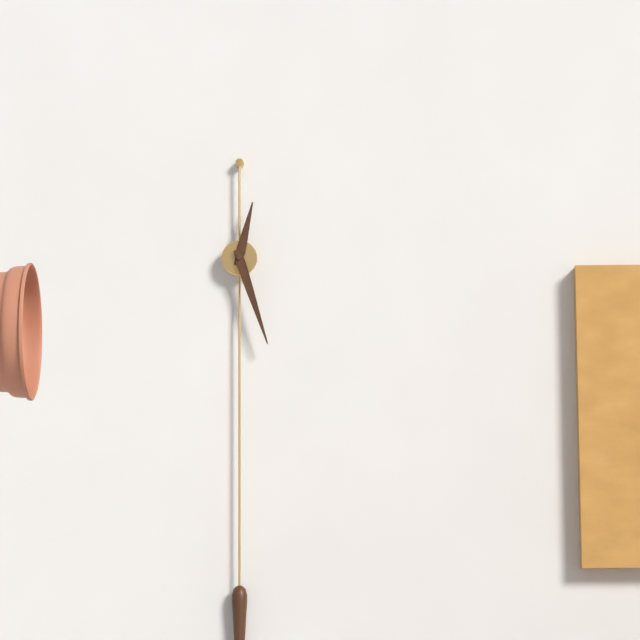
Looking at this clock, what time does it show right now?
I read 12:27
